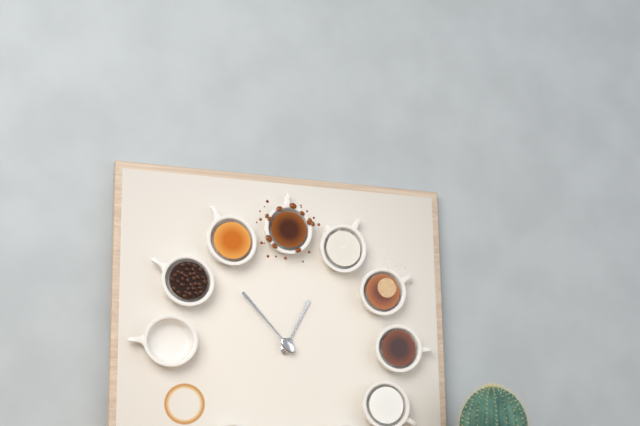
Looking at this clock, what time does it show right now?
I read 12:53
